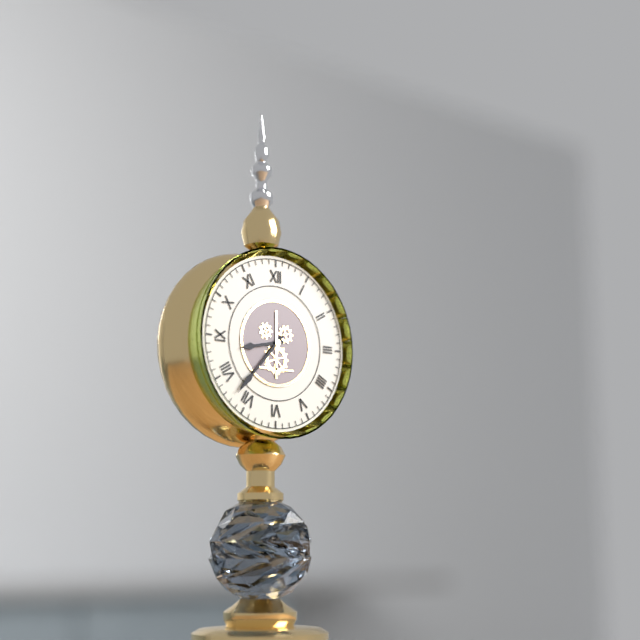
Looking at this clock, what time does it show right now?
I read 8:37
